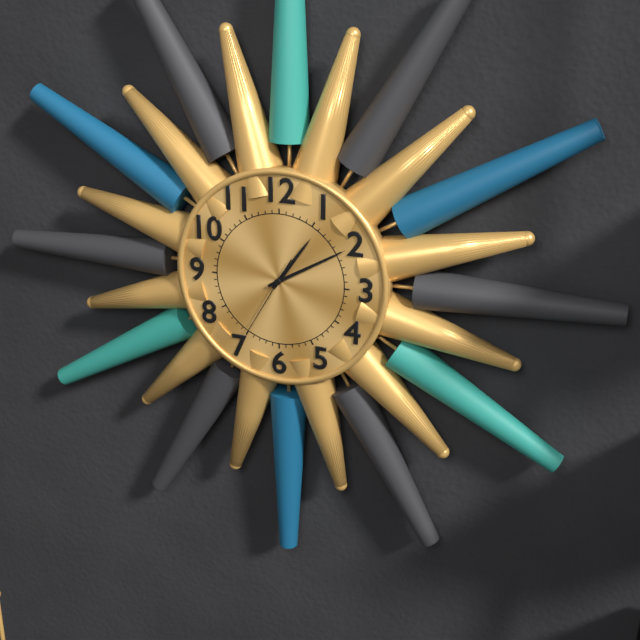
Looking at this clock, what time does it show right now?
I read 1:10:35
